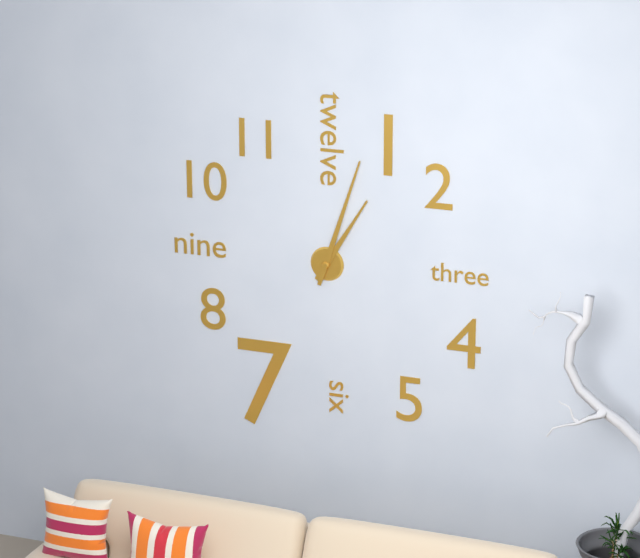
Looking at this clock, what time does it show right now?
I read 1:03
